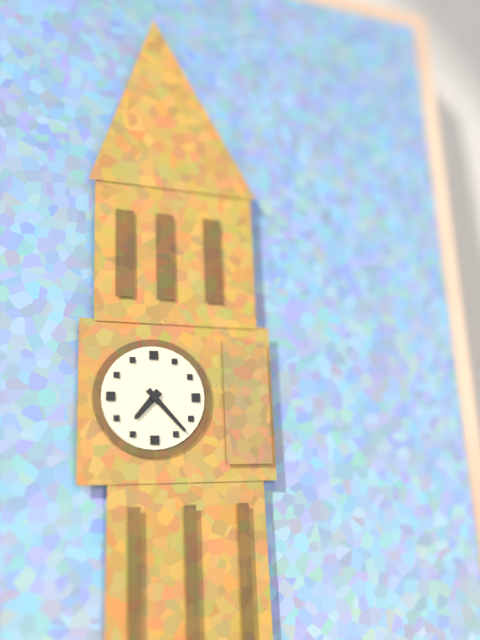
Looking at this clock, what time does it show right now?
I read 7:23
